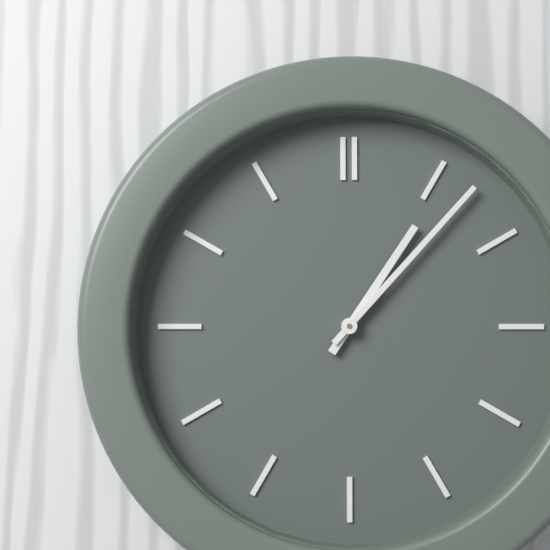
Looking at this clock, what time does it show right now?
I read 1:07
